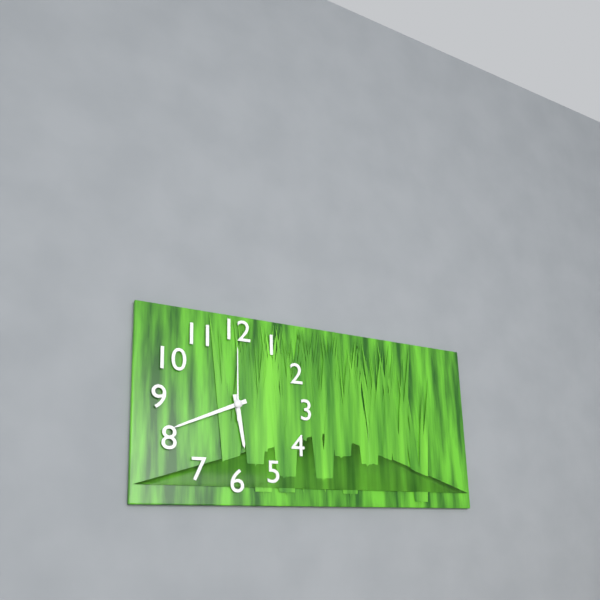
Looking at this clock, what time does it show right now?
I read 5:41:00
